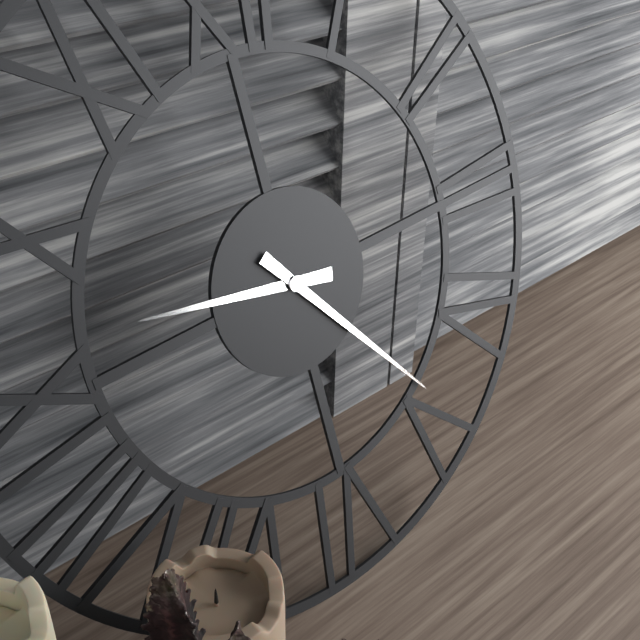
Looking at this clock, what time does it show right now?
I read 9:24
